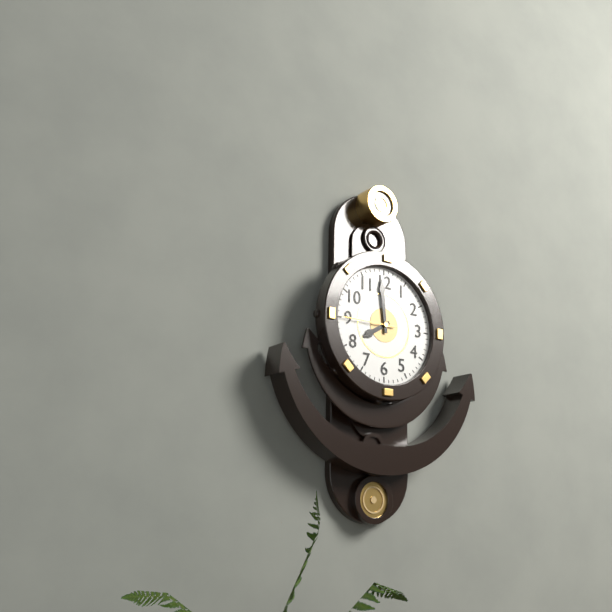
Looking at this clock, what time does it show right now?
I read 7:59:45
